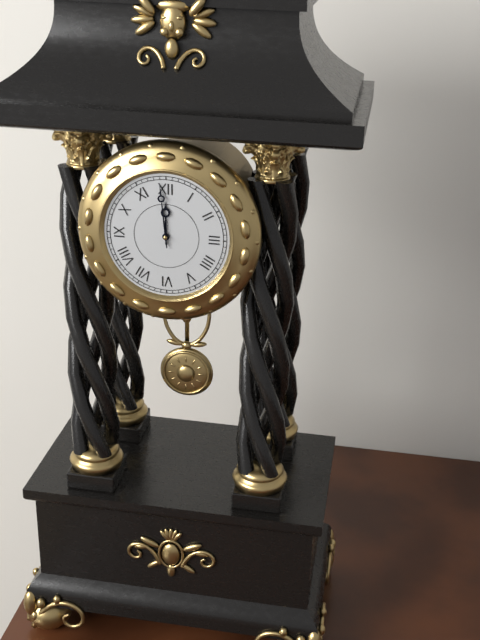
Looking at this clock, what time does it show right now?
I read 11:59
